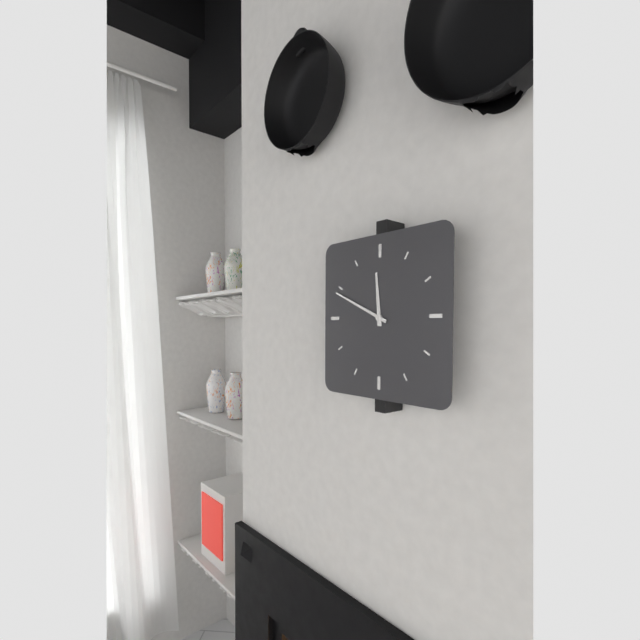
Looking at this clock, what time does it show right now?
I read 11:49
